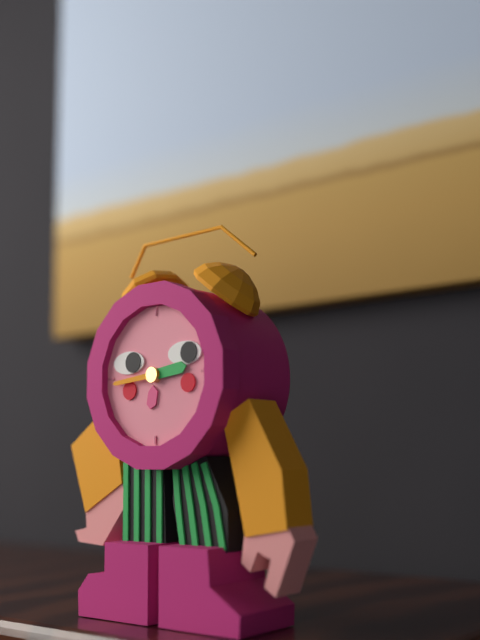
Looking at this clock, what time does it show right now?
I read 2:44
